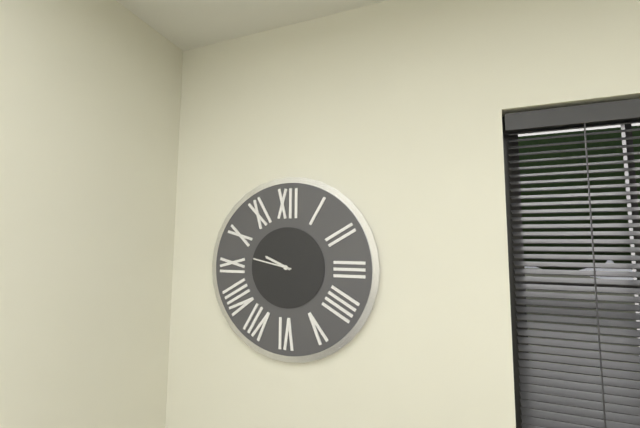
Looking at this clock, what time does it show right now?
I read 9:47
